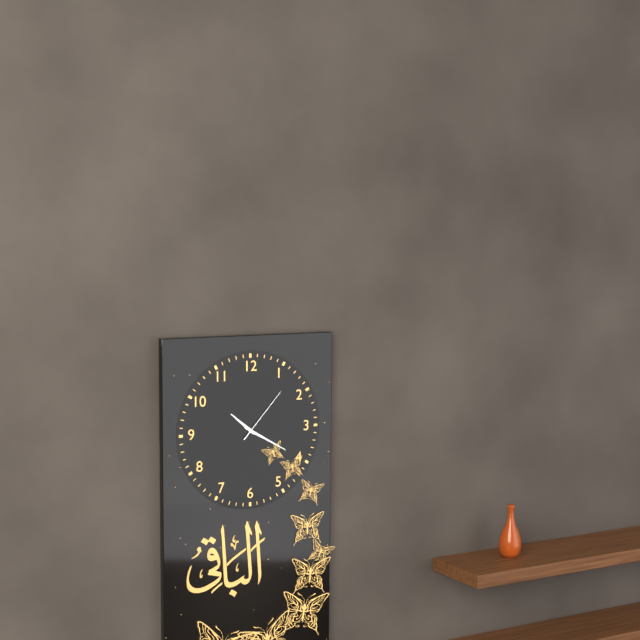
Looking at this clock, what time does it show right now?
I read 10:20:07
